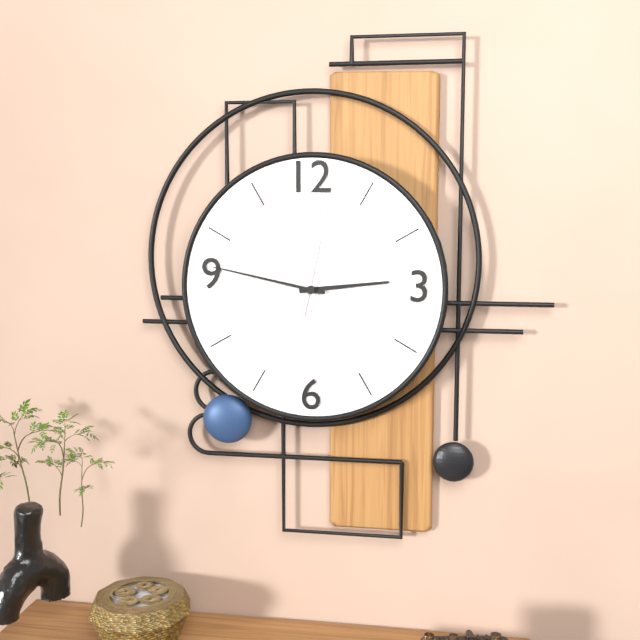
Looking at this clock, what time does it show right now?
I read 2:47:02
